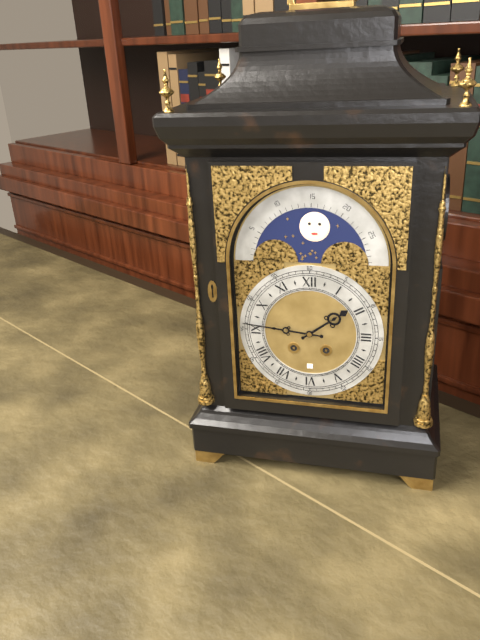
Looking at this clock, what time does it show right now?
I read 1:46
